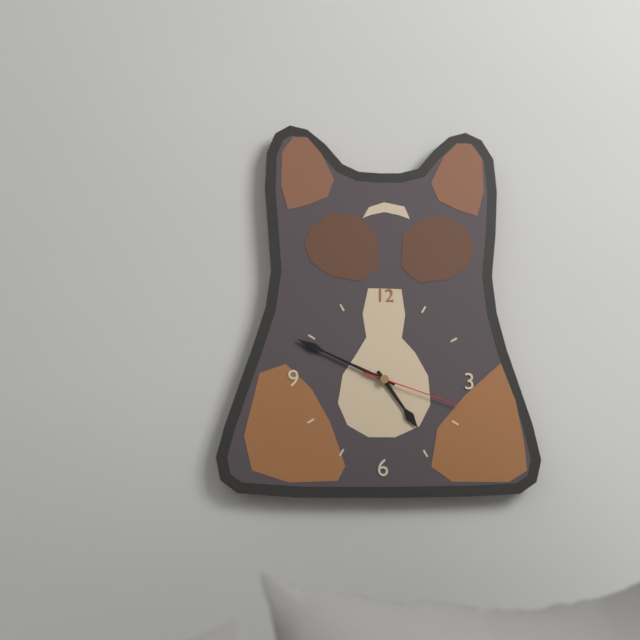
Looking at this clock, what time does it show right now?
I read 4:49:18
